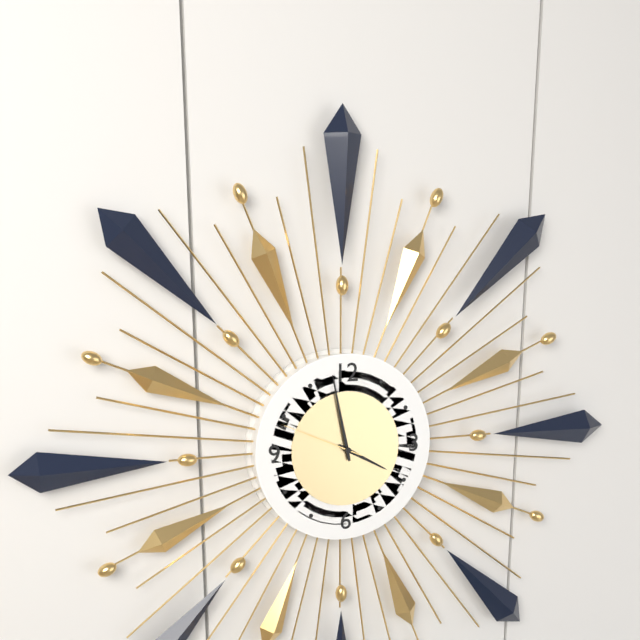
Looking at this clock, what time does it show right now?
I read 3:58:49
